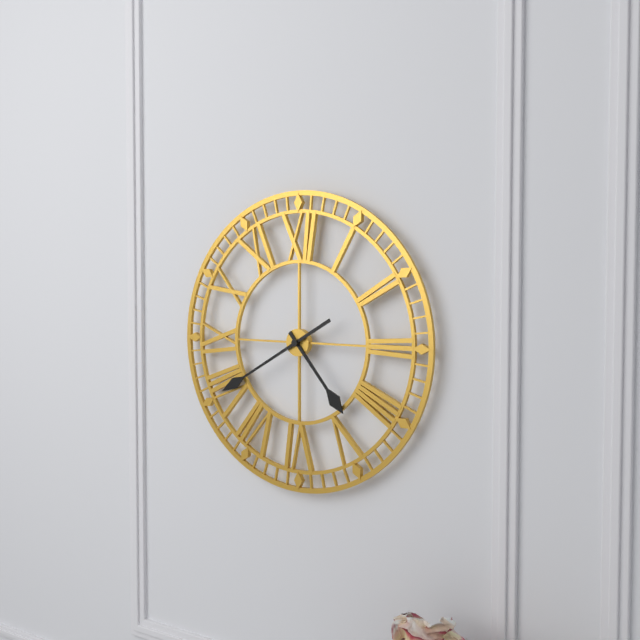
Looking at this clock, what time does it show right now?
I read 4:40
